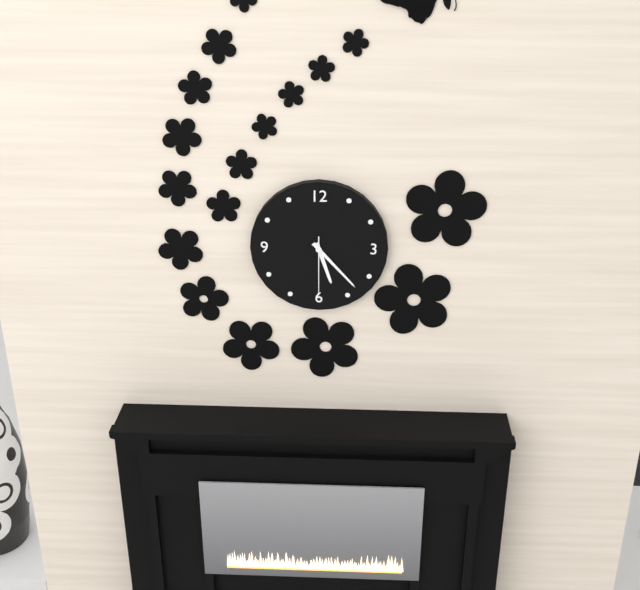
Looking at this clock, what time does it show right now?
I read 5:23:30
